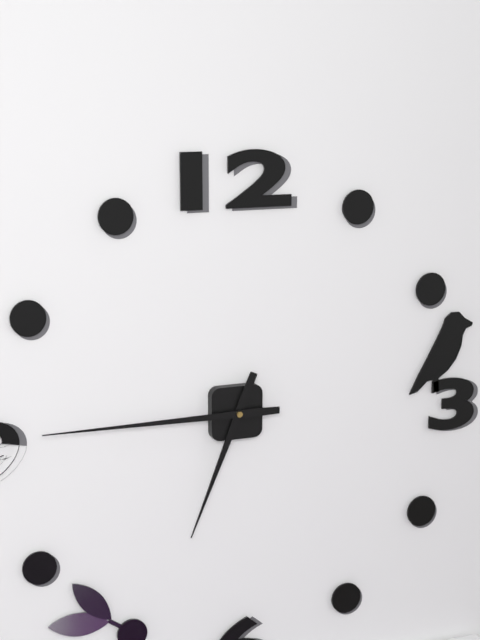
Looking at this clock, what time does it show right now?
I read 6:45
